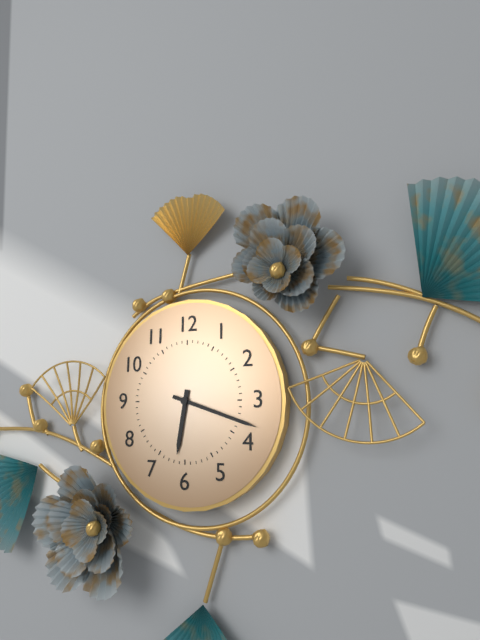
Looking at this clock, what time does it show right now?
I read 6:18
